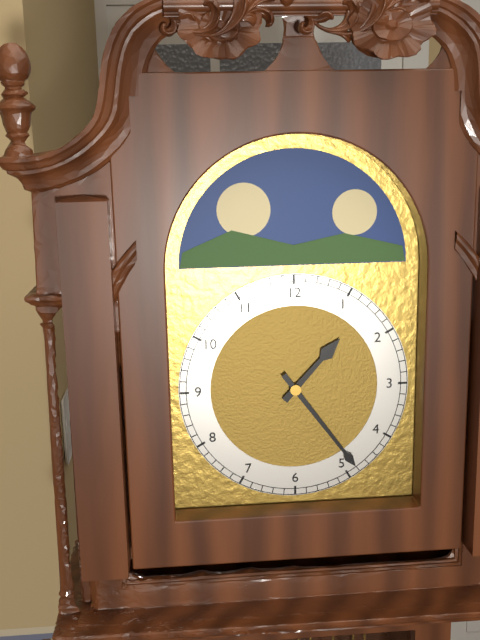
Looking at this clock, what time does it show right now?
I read 1:24
